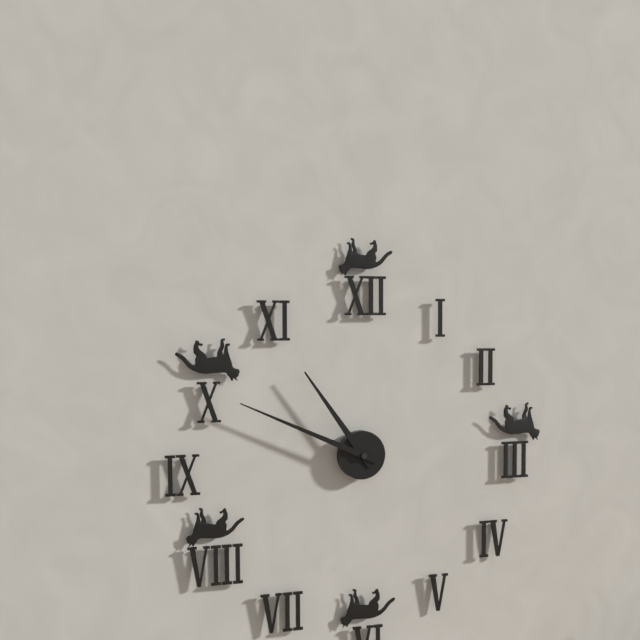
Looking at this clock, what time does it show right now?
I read 10:49
